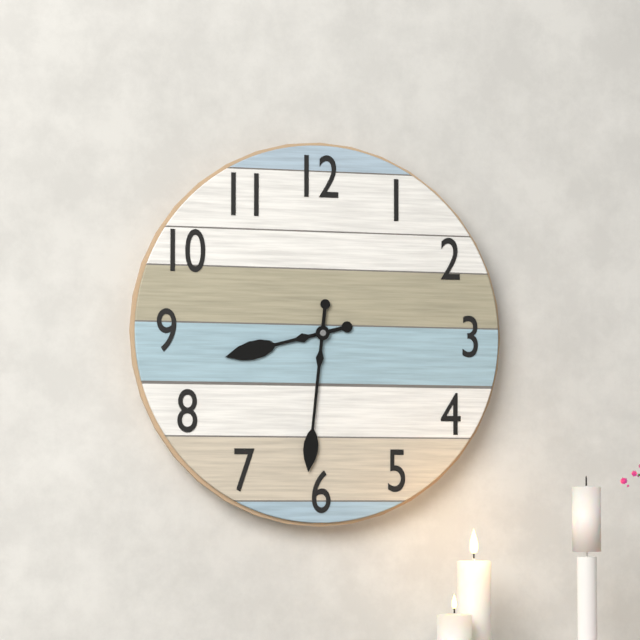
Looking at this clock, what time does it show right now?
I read 8:31
